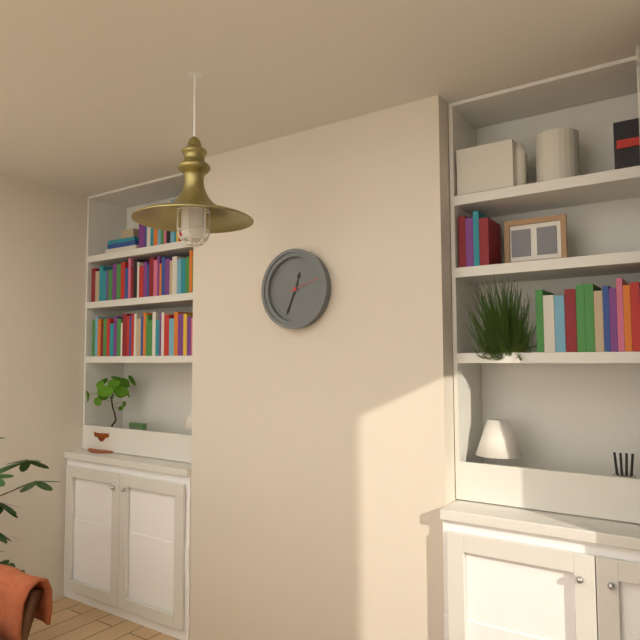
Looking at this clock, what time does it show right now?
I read 12:34
